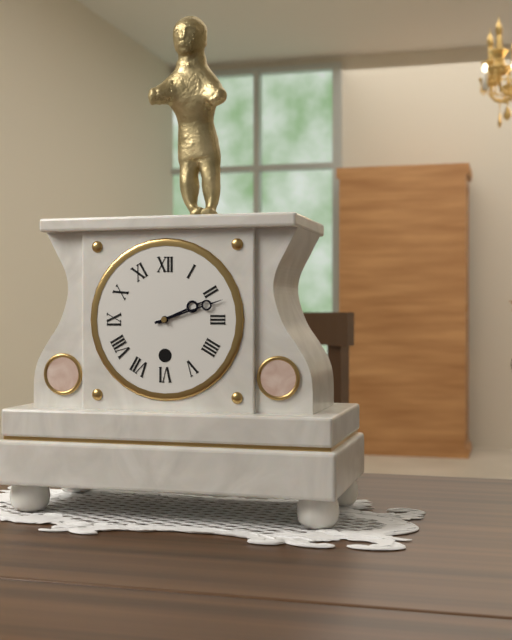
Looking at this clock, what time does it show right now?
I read 2:12
